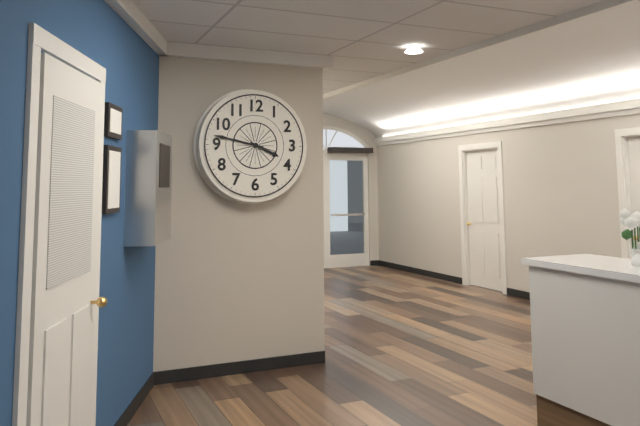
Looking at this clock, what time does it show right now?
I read 3:47
